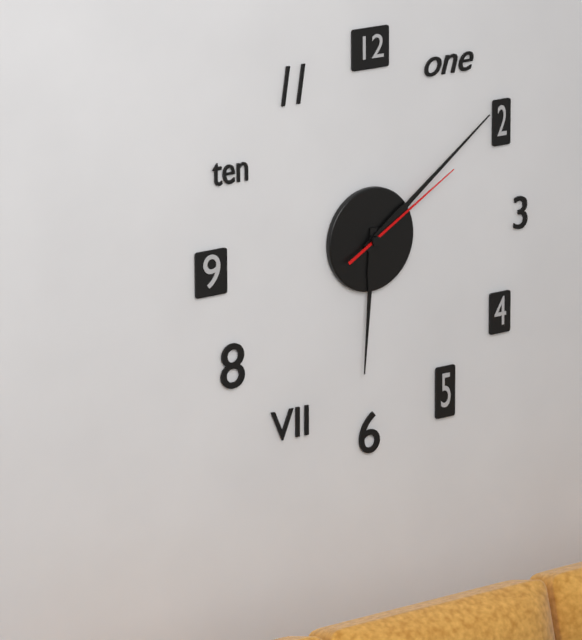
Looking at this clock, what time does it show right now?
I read 6:09:10
